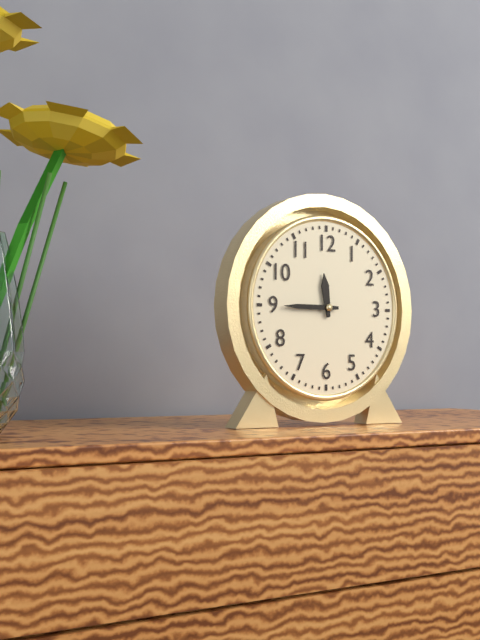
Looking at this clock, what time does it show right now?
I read 11:45
